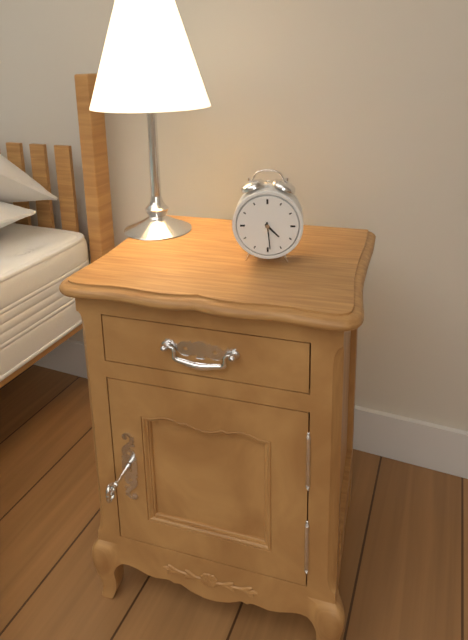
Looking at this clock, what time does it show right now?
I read 4:29
